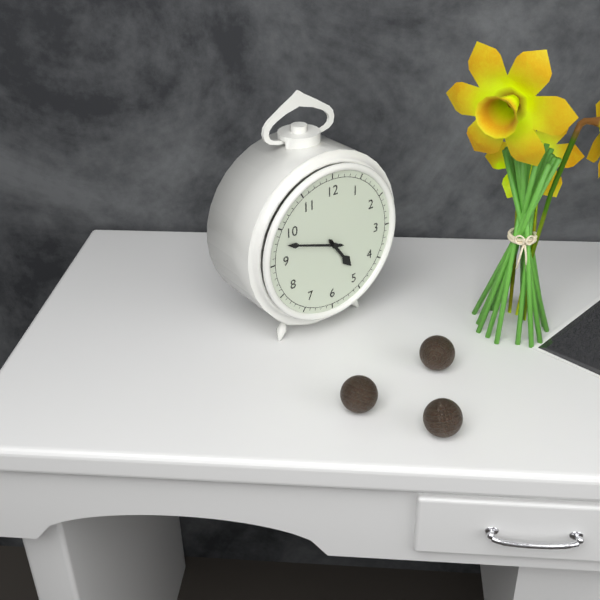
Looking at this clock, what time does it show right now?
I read 4:48
